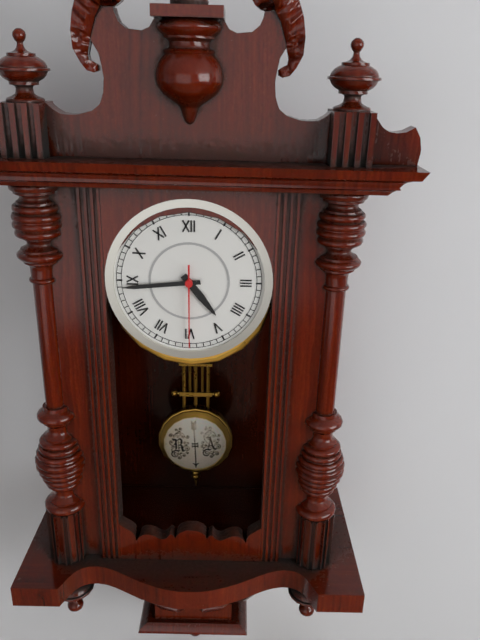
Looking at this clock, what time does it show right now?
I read 4:44:30
